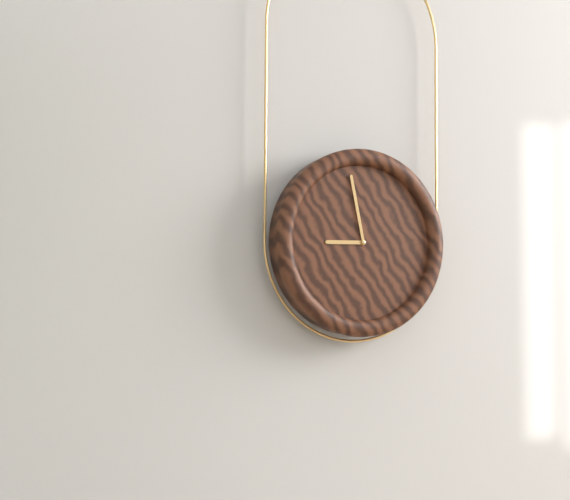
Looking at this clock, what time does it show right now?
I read 8:58
